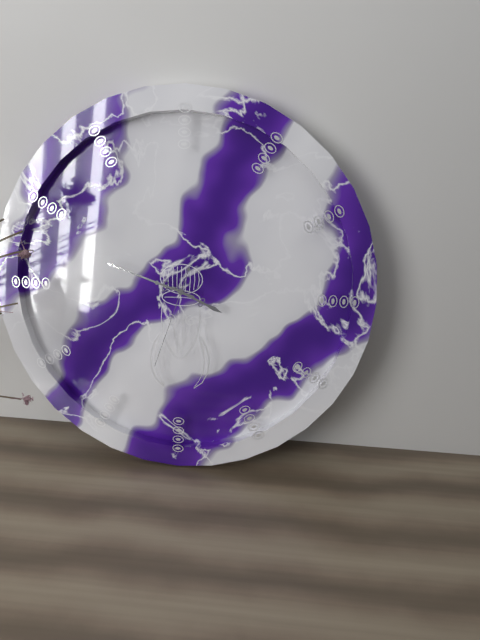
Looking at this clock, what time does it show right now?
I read 3:48:33
